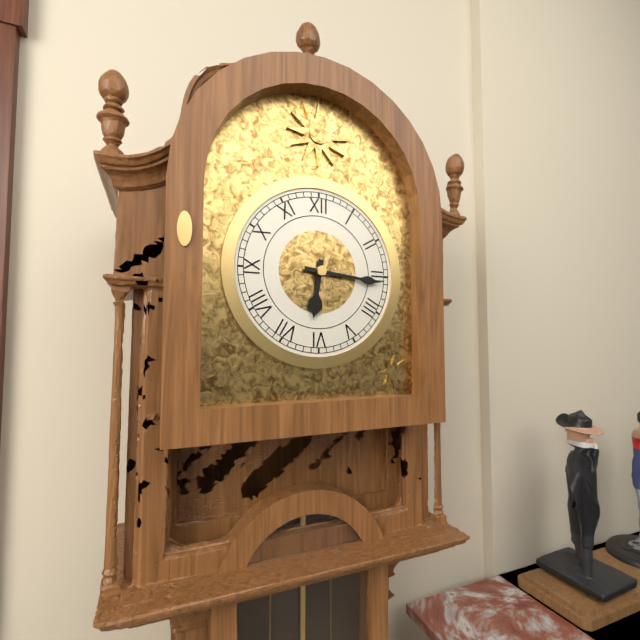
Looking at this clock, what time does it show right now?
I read 6:16
